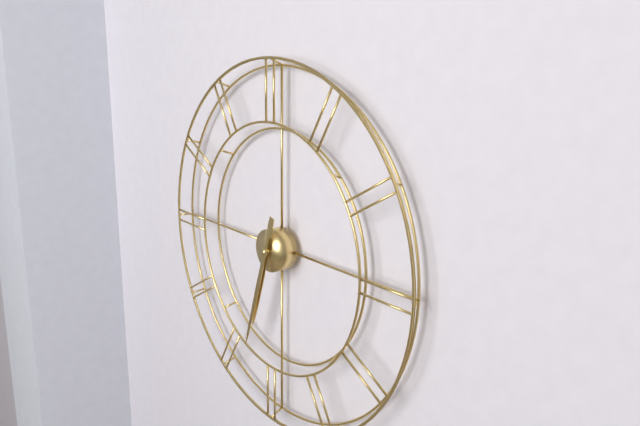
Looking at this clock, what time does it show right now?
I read 6:33
